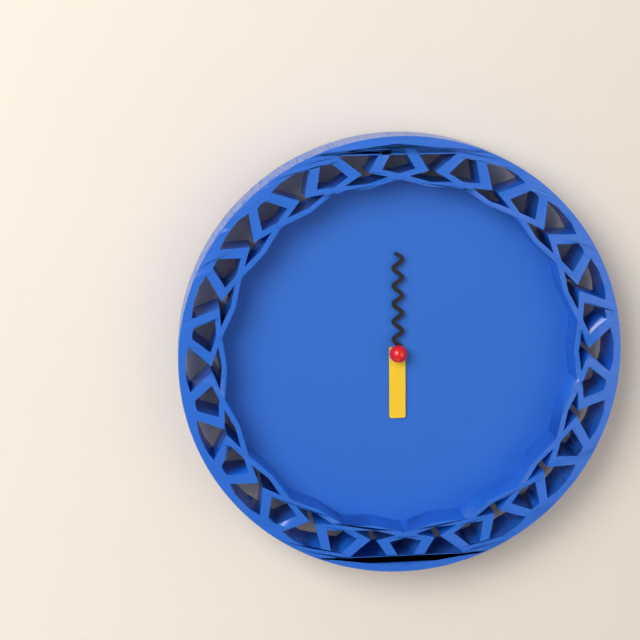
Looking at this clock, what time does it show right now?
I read 6:00
